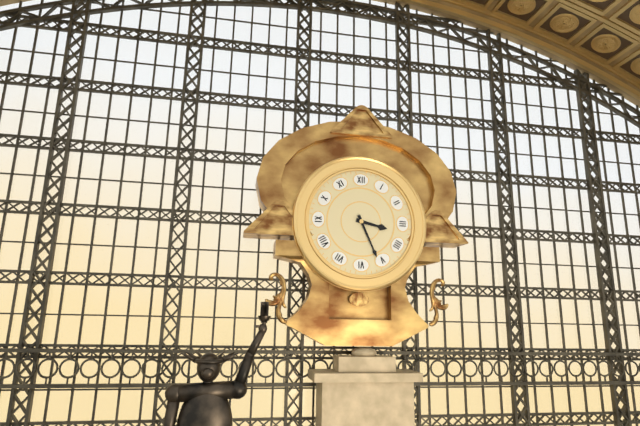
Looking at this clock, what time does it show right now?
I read 3:26
